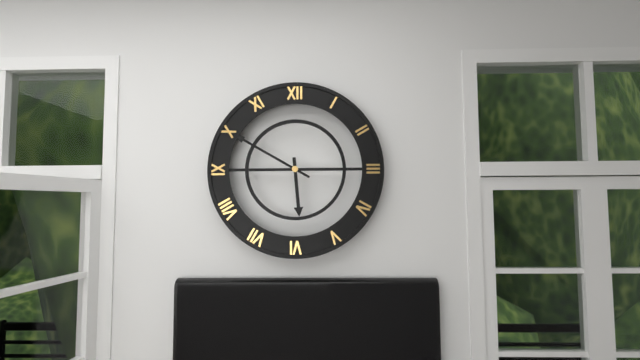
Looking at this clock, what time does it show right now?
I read 5:50
